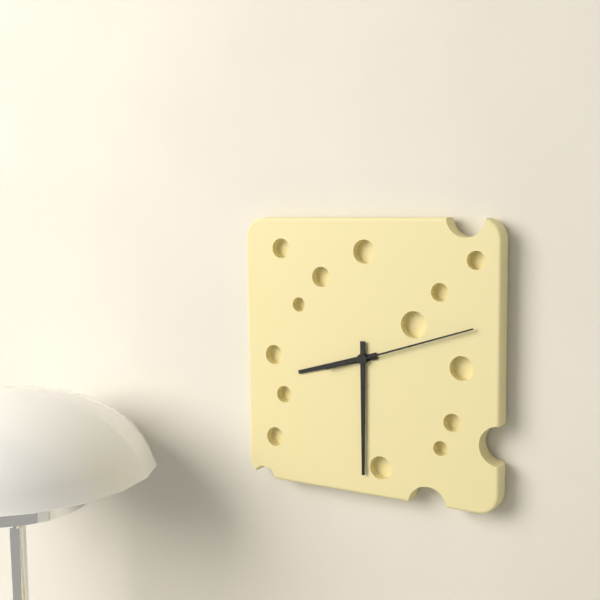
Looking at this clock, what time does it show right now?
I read 8:30:12
